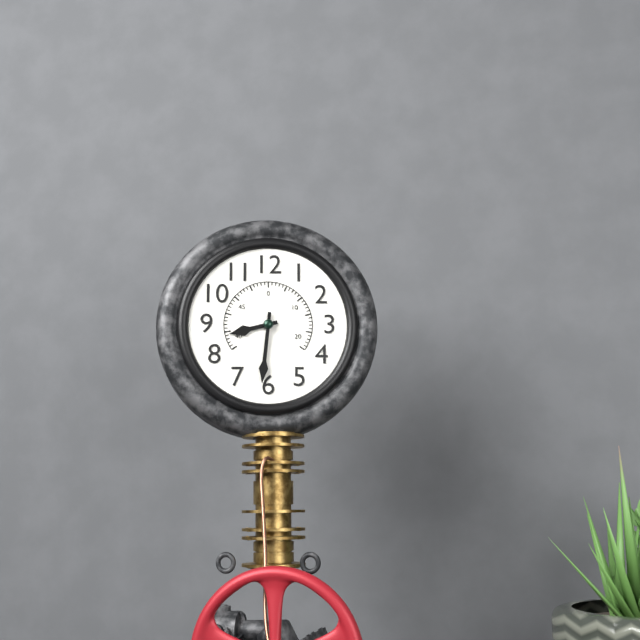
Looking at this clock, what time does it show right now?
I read 8:31
